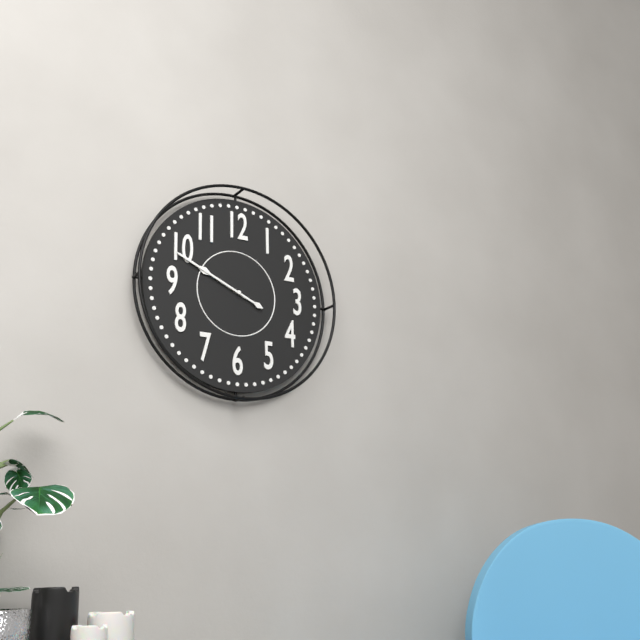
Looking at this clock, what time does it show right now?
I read 9:49
